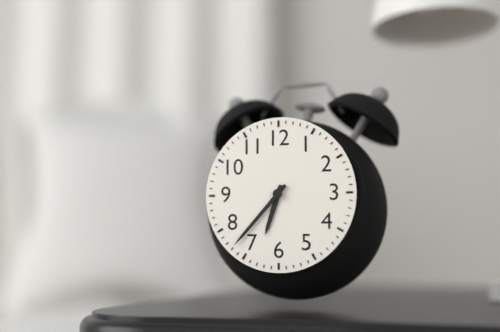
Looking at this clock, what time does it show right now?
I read 6:37
